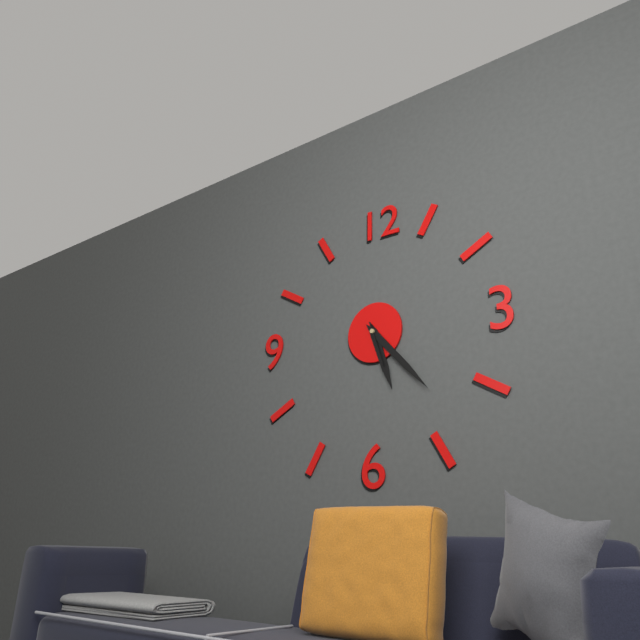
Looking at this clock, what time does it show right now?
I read 5:23
